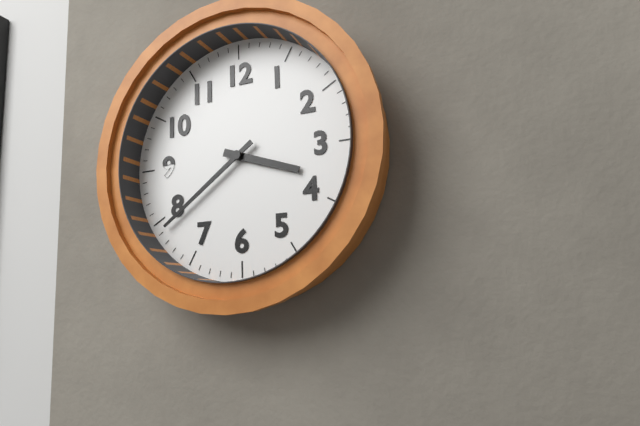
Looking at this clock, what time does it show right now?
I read 3:39
